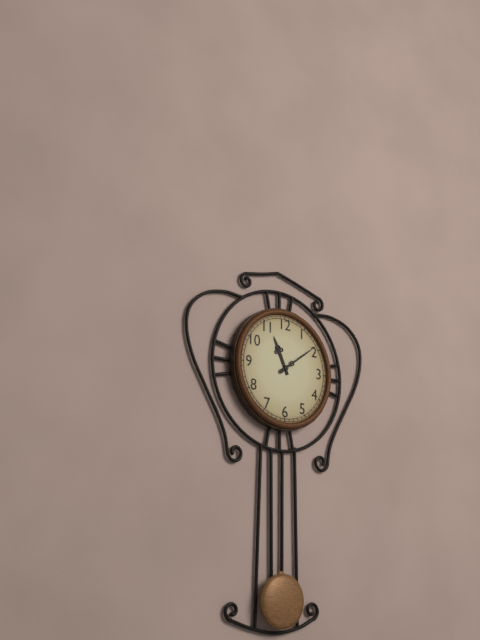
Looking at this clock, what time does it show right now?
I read 11:09
